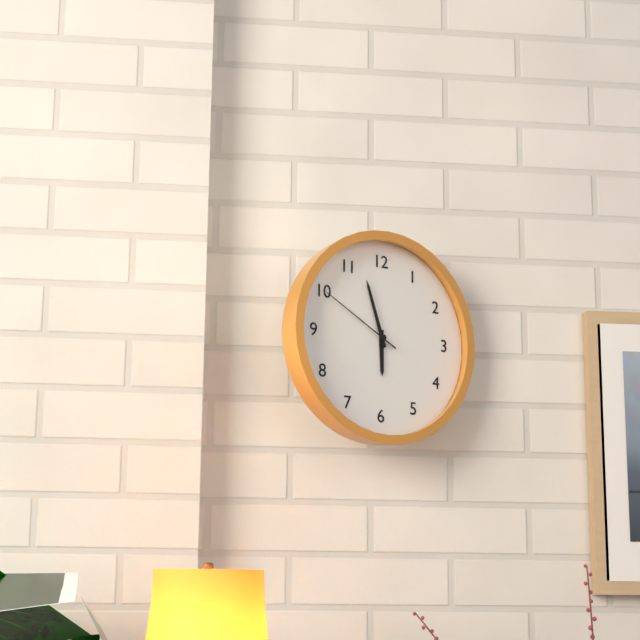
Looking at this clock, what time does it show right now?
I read 5:57:50
